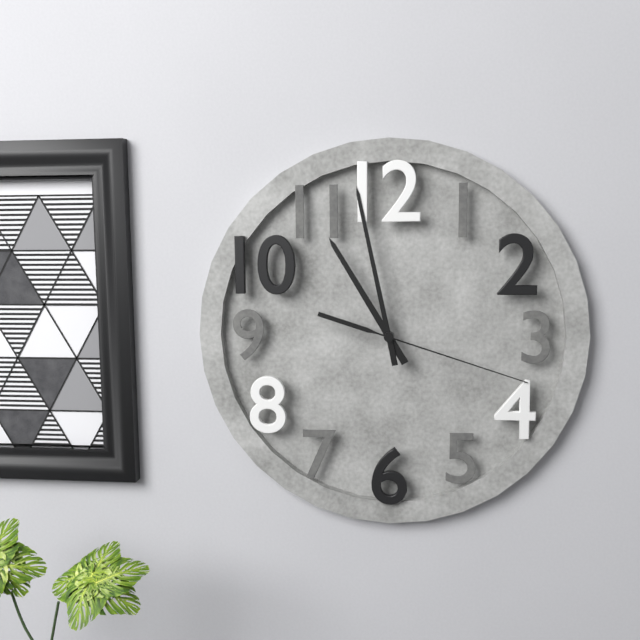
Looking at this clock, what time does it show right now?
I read 10:58:18
